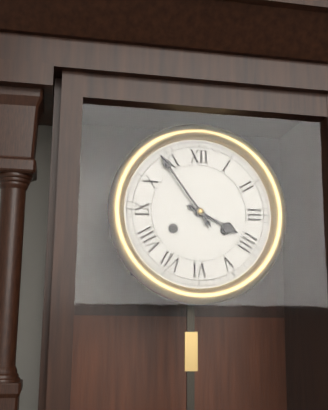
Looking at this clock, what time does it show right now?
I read 3:54
